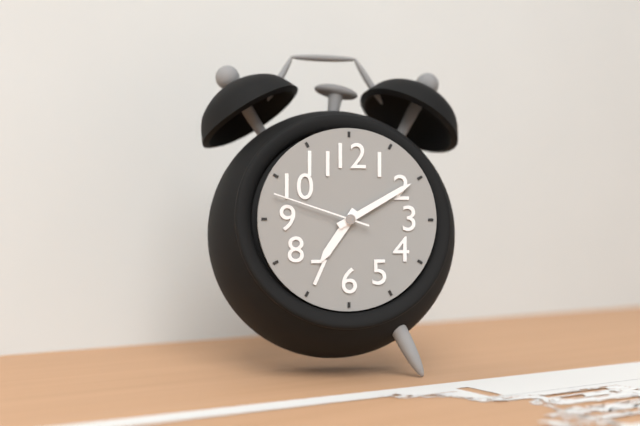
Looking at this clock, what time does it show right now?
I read 7:10:48
